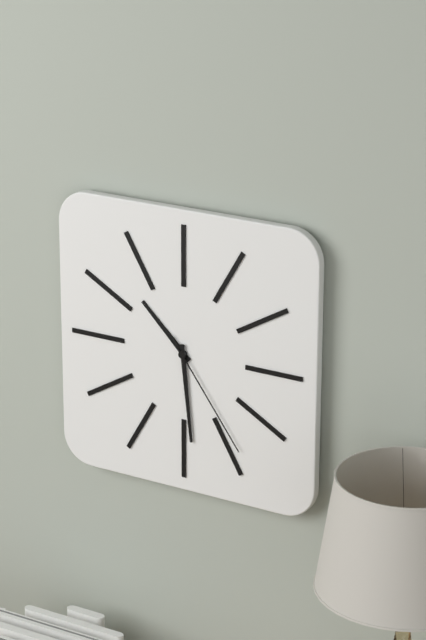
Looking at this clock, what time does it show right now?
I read 10:29:24
